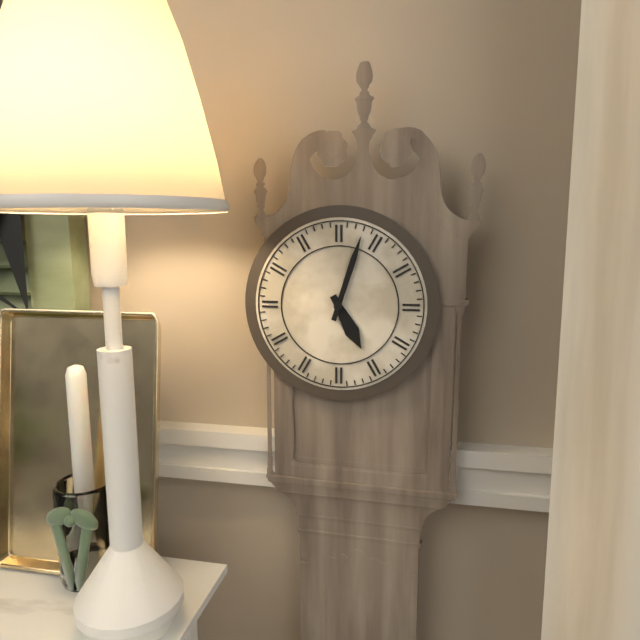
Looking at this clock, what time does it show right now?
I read 5:03
